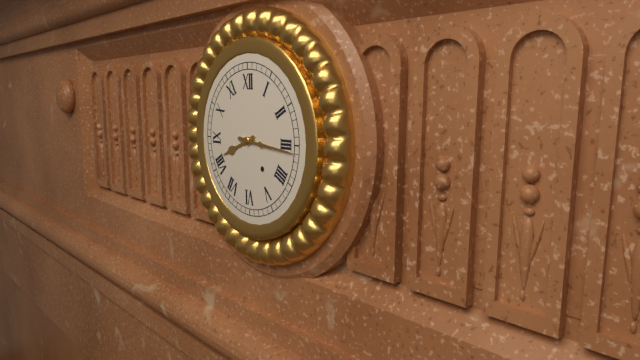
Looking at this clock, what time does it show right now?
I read 8:16
